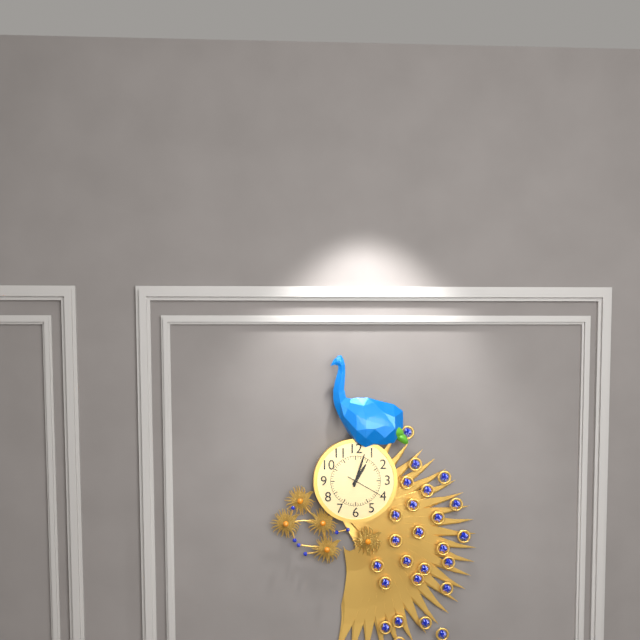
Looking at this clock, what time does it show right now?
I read 1:03
